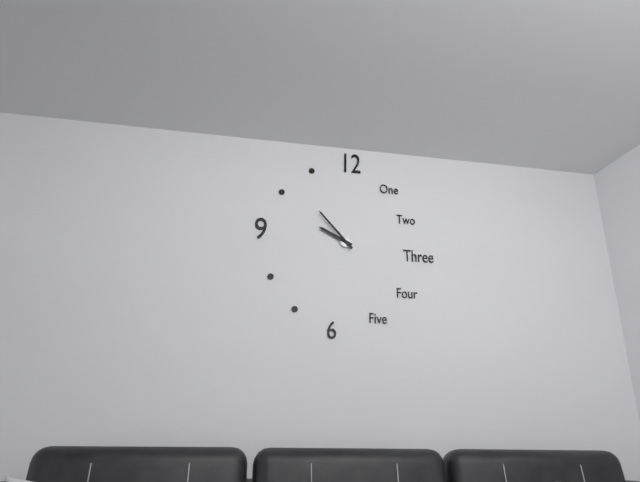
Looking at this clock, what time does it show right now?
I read 9:53
